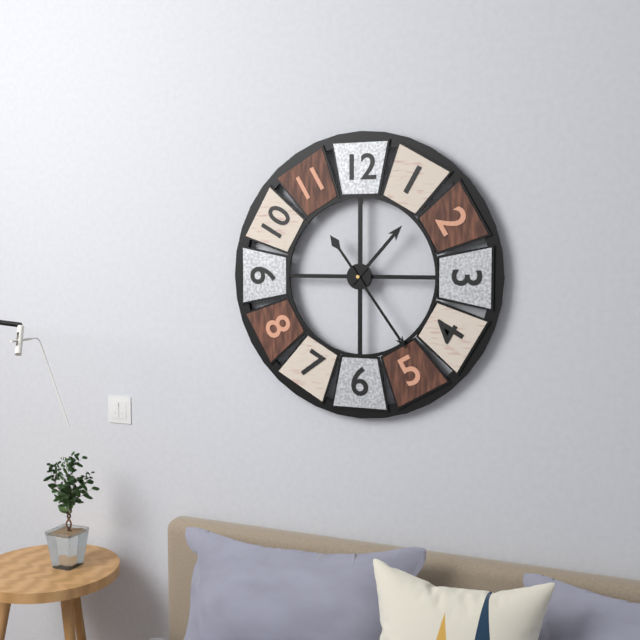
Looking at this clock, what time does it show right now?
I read 1:24
